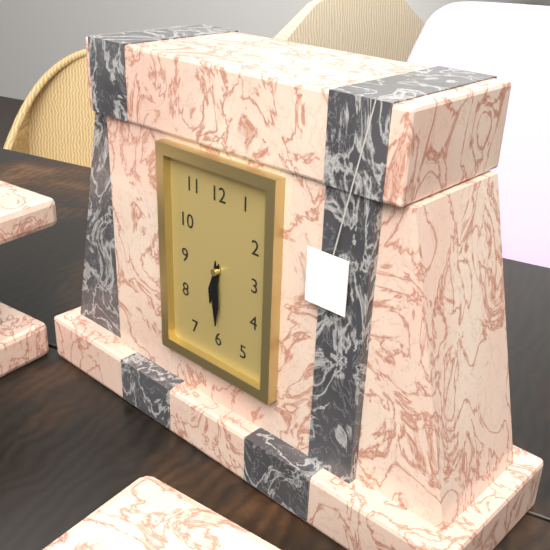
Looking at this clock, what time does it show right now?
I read 6:30
